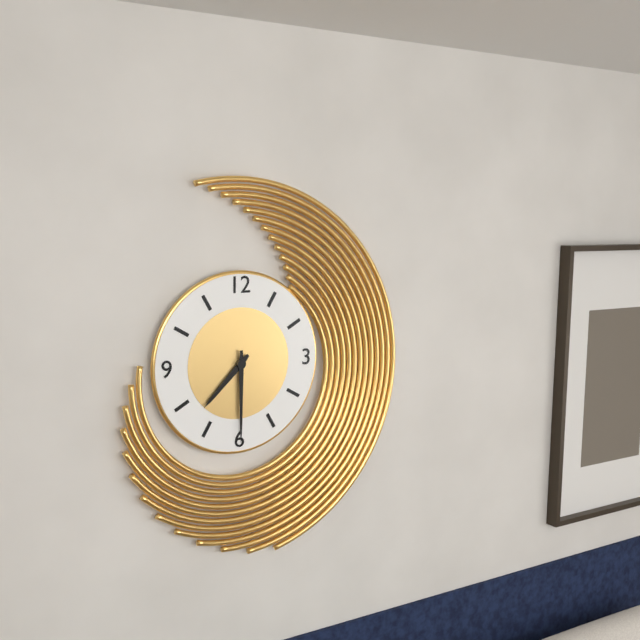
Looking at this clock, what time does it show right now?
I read 7:30
